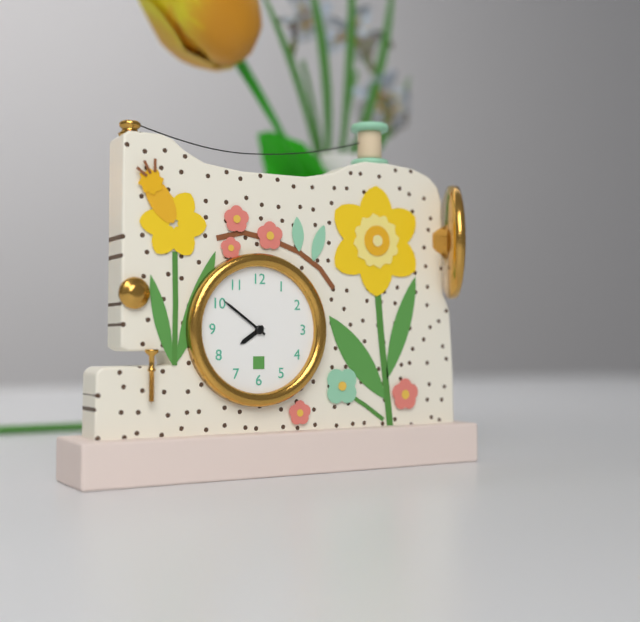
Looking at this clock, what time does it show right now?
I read 7:51
